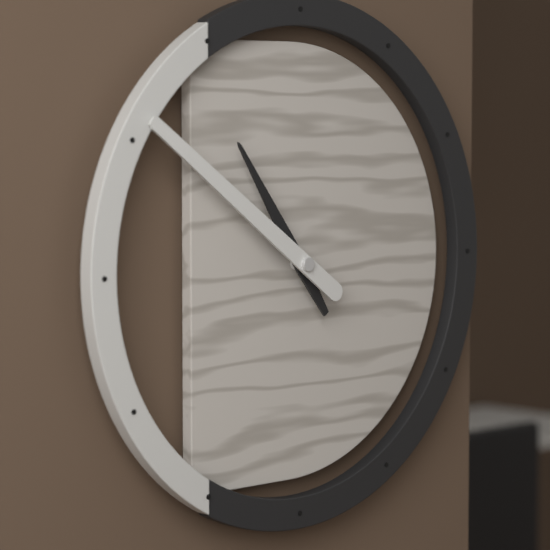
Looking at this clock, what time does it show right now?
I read 10:51
